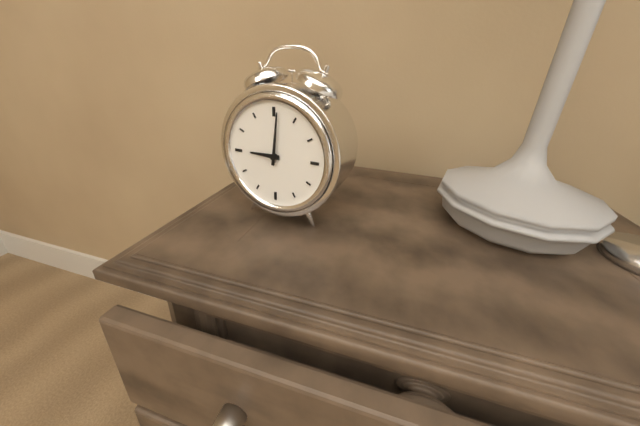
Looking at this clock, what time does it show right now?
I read 9:01
